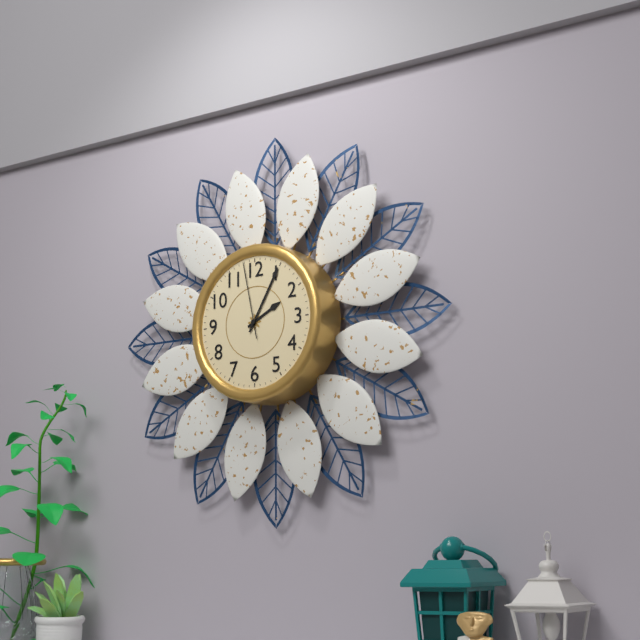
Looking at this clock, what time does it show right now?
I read 2:05:58
